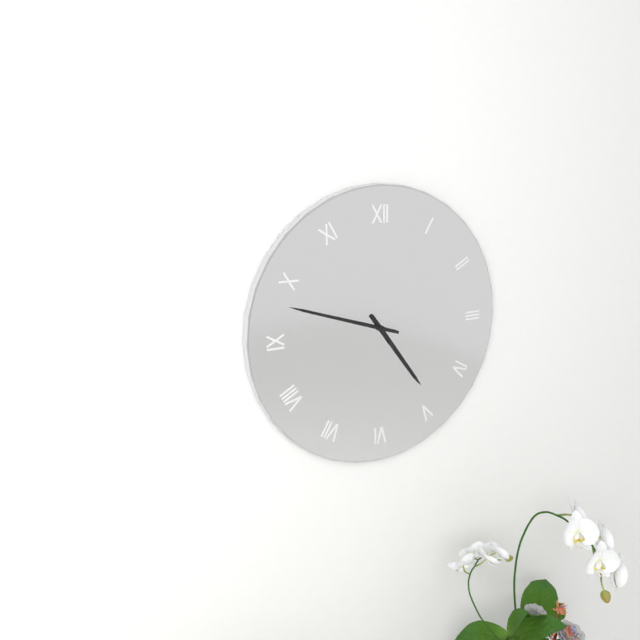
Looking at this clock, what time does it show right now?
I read 4:48
